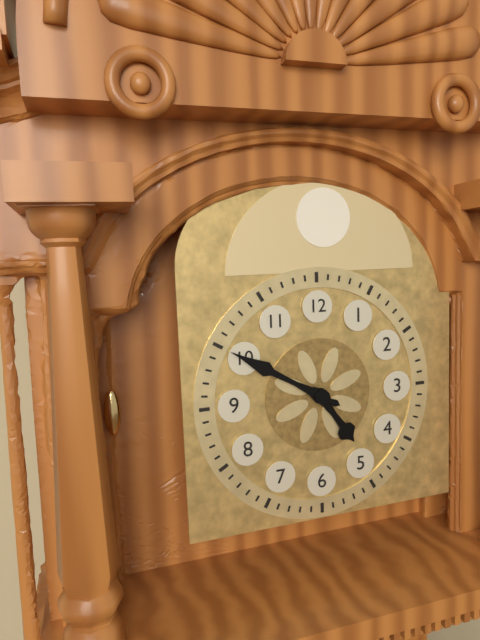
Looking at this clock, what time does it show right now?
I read 4:50
